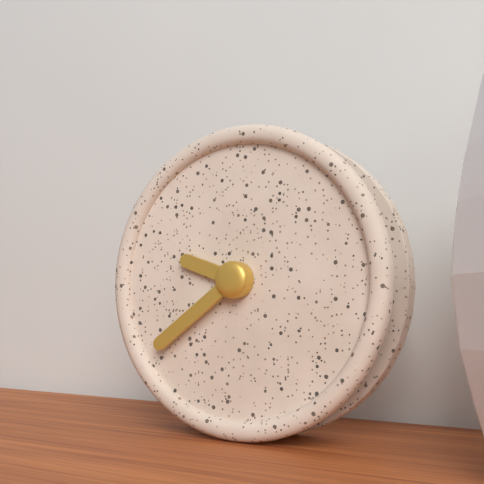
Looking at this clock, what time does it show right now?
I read 9:39
